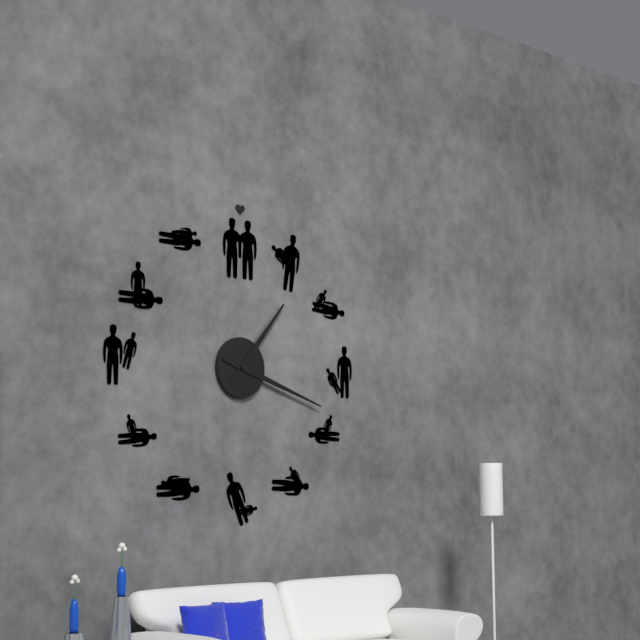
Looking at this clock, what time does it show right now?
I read 1:18
